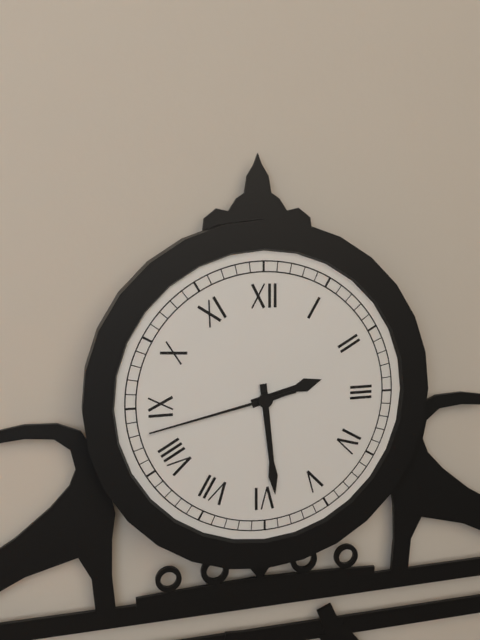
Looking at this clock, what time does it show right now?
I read 2:29:43
